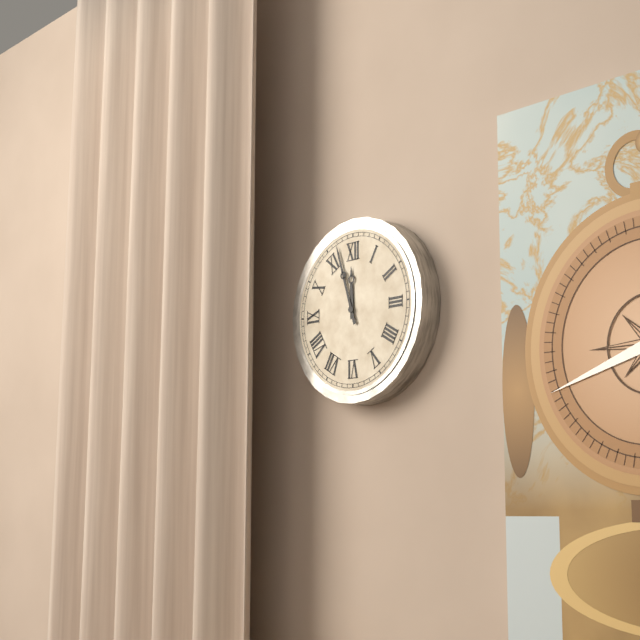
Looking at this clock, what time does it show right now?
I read 11:57
